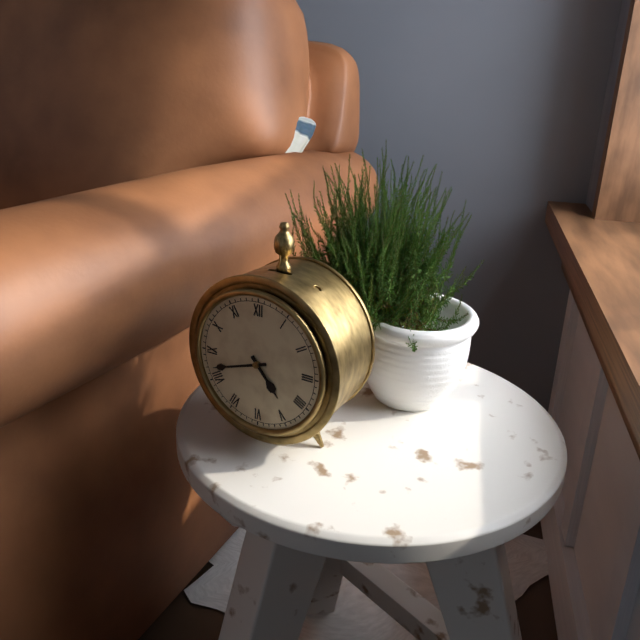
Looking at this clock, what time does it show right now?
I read 4:42
